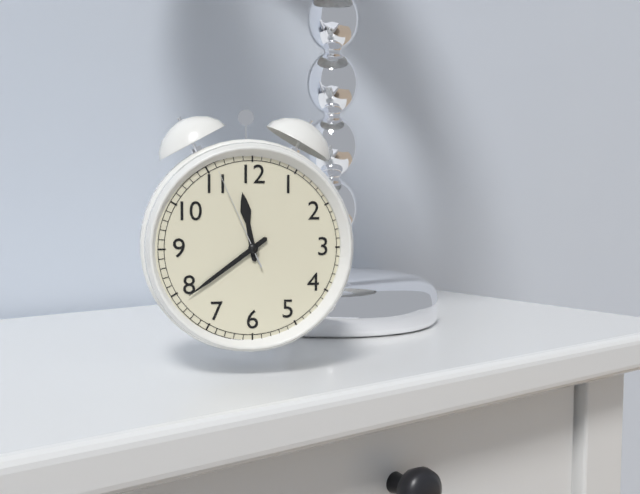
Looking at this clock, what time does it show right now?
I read 11:39:56
